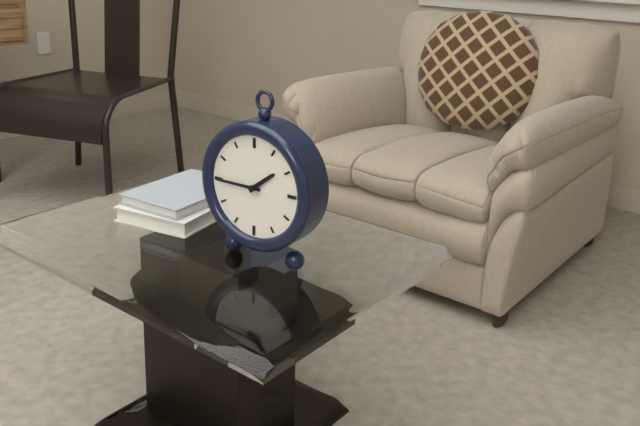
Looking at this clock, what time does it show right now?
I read 1:45
